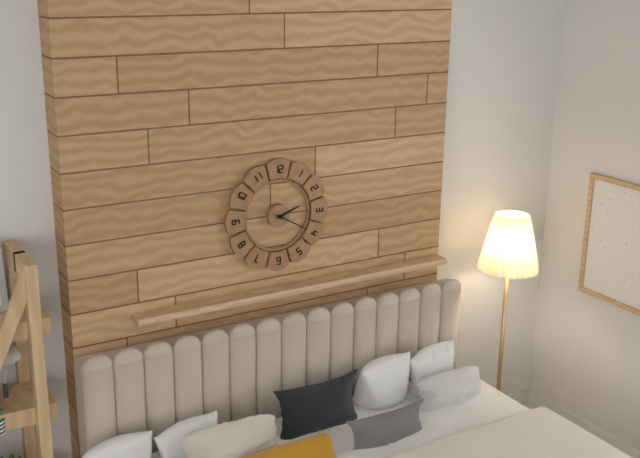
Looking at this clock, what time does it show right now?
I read 2:20
